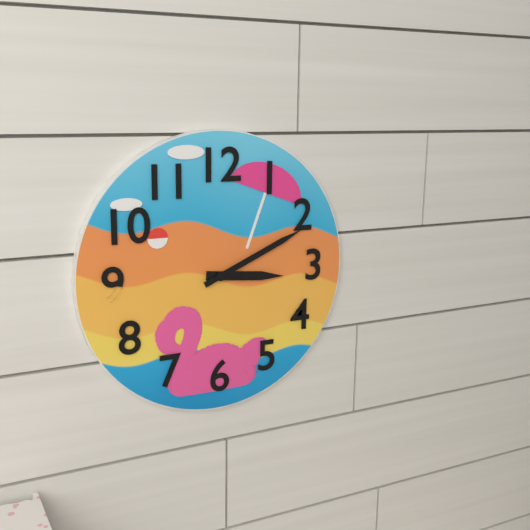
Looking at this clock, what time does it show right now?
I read 3:11
